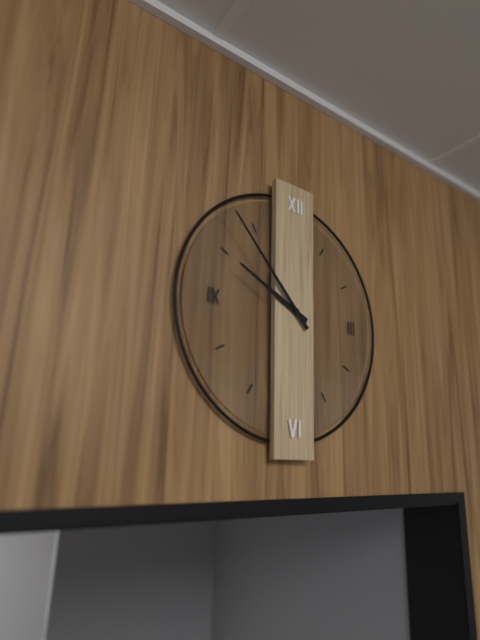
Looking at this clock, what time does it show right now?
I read 9:53
